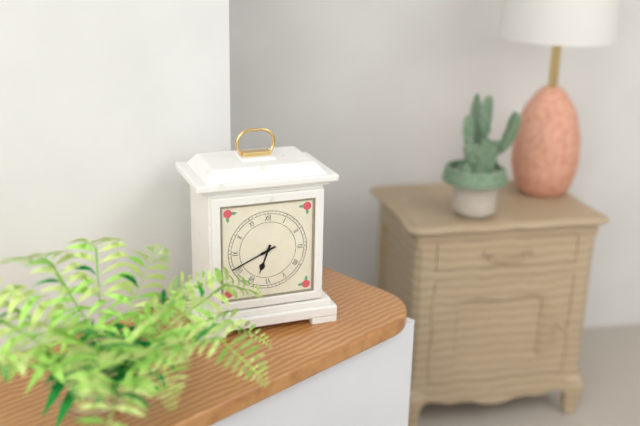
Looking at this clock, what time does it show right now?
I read 6:41
